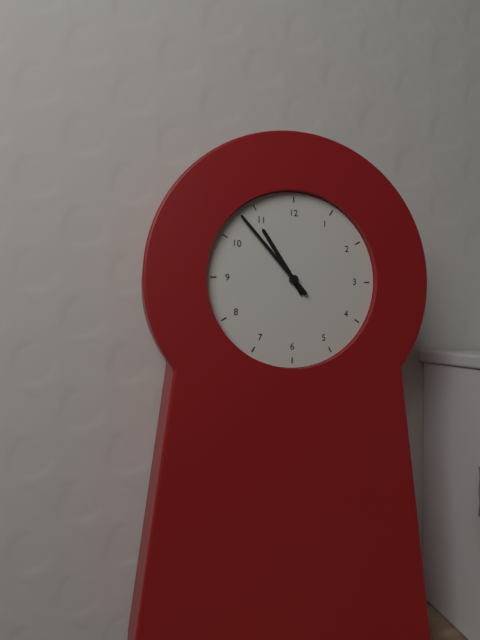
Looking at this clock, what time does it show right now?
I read 10:53
